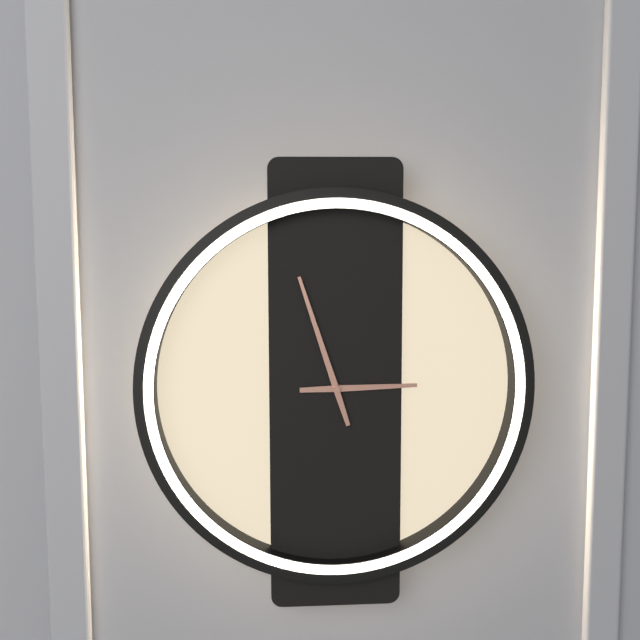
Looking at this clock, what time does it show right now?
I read 2:57
